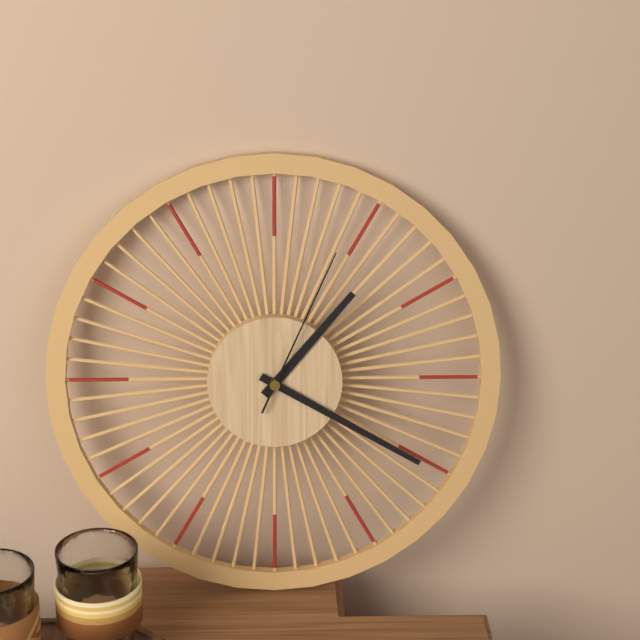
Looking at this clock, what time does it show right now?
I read 1:20:04
